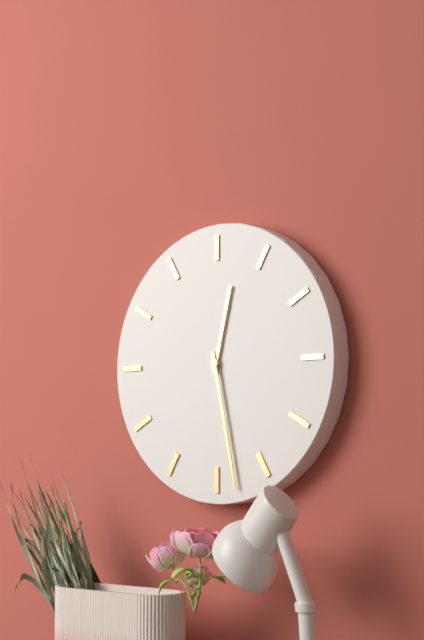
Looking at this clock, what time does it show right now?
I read 12:28
